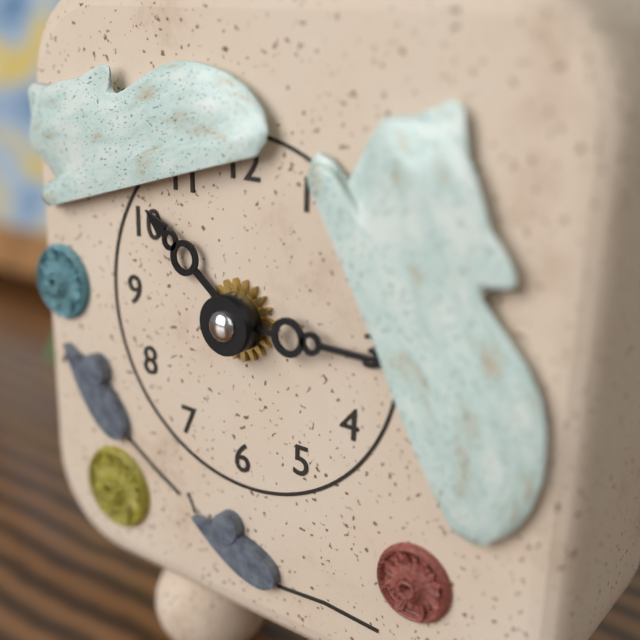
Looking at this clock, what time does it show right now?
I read 10:15
